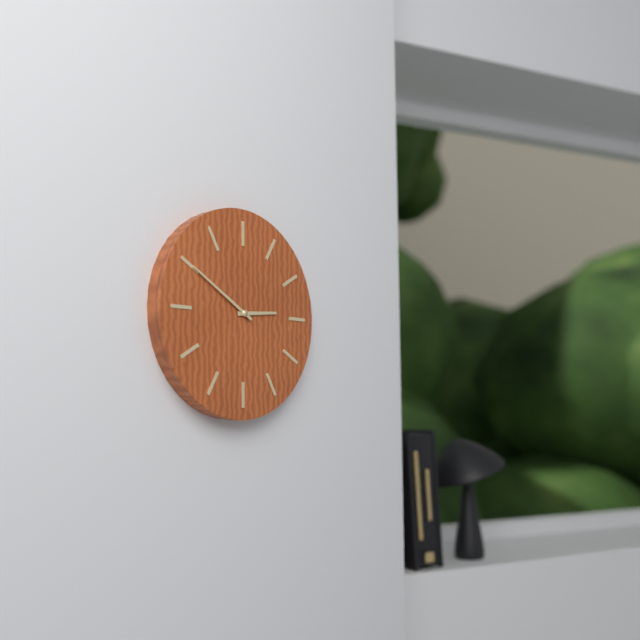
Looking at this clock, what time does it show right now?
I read 2:50
